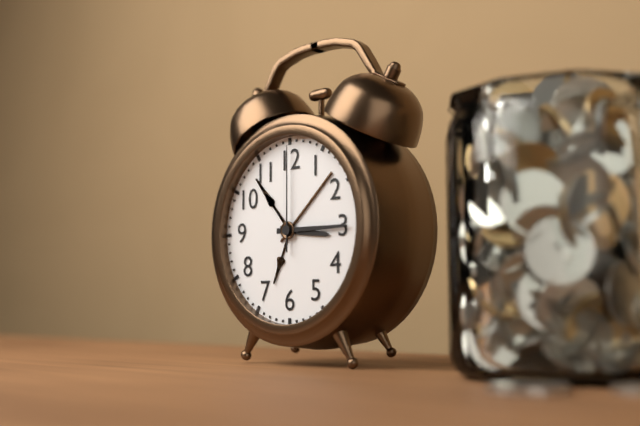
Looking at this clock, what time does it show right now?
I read 3:15:00
